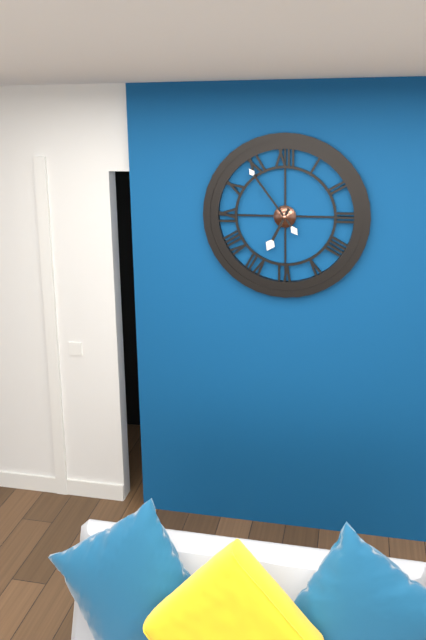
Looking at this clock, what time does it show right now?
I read 6:54
